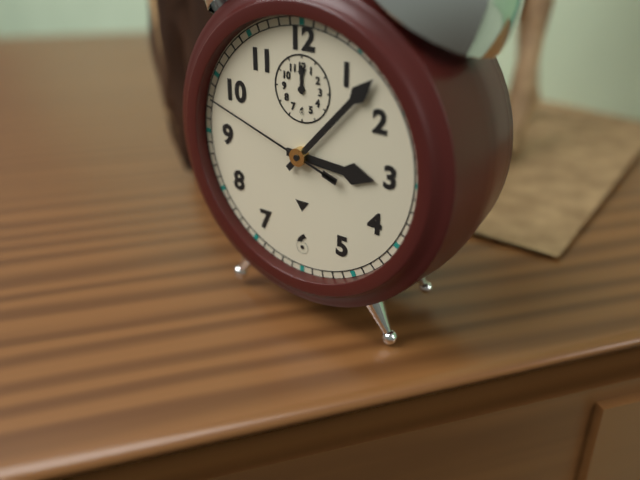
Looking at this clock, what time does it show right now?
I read 3:07:48
